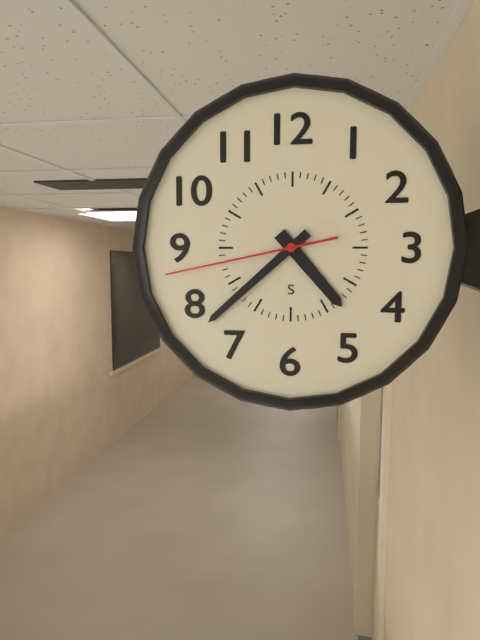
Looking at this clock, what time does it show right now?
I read 4:38:43
